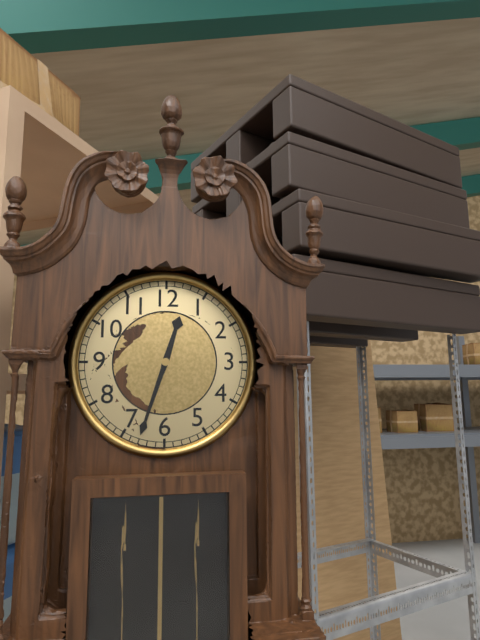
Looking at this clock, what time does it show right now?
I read 12:33
